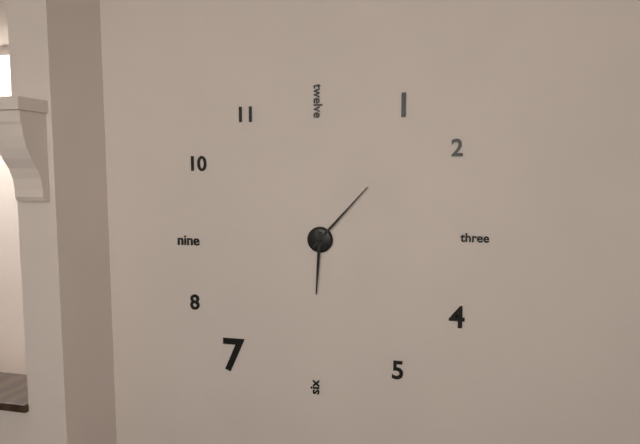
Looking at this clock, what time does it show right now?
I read 6:07
